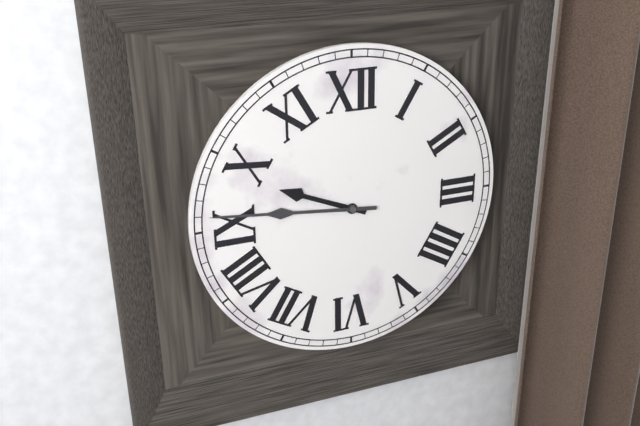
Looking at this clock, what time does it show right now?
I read 9:46
